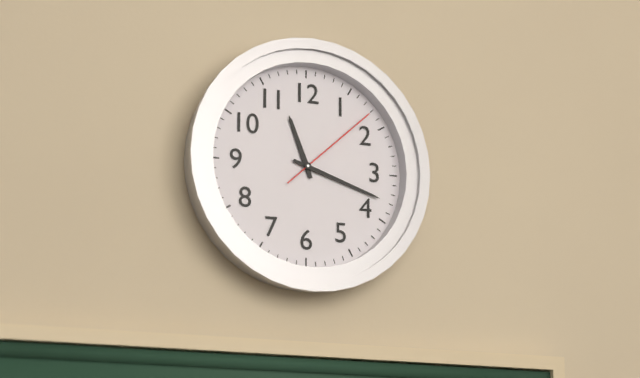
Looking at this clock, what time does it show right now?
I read 11:18:08
